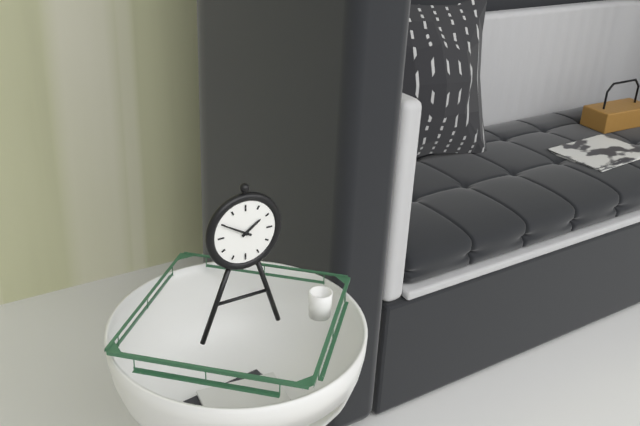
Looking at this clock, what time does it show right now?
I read 1:50
